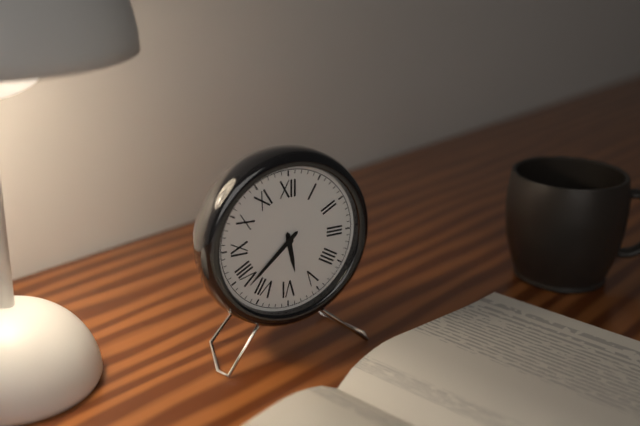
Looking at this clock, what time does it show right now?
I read 5:38
